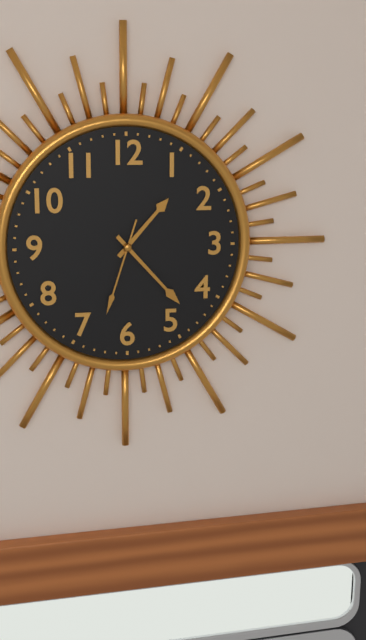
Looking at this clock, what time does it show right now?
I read 1:23:33
